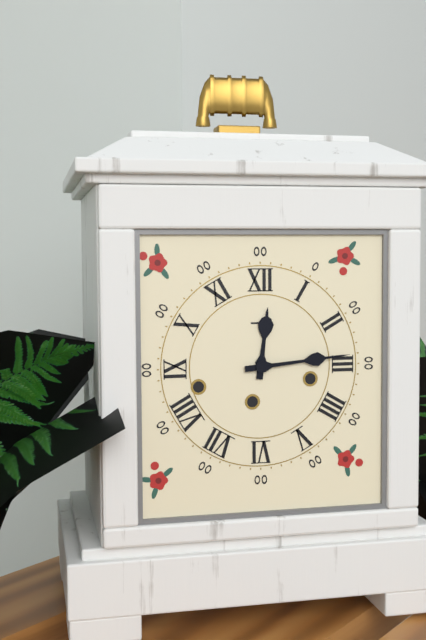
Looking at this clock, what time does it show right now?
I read 12:14
